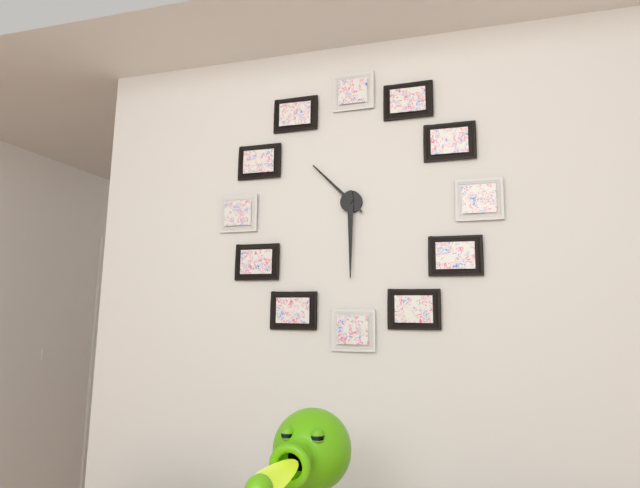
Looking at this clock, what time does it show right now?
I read 10:30
